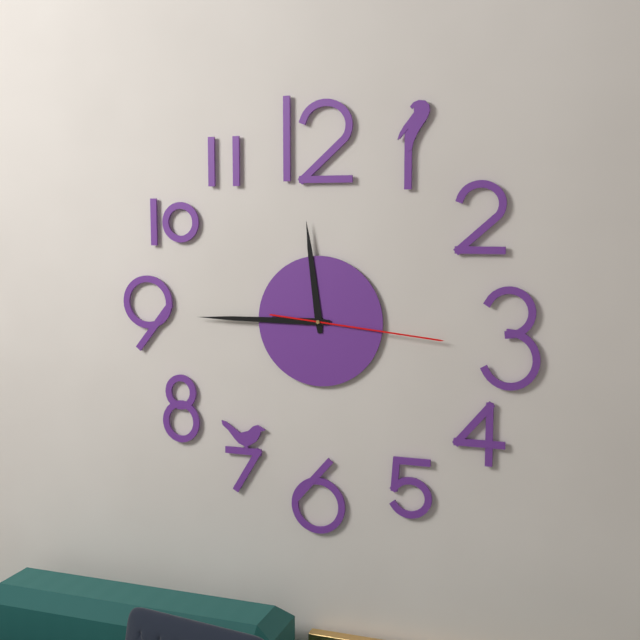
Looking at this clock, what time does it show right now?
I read 11:45:16
